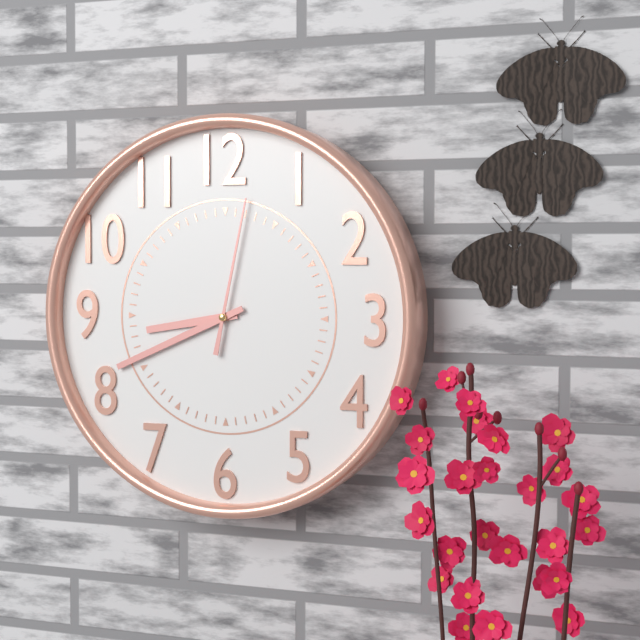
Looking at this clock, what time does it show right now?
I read 8:41:02
